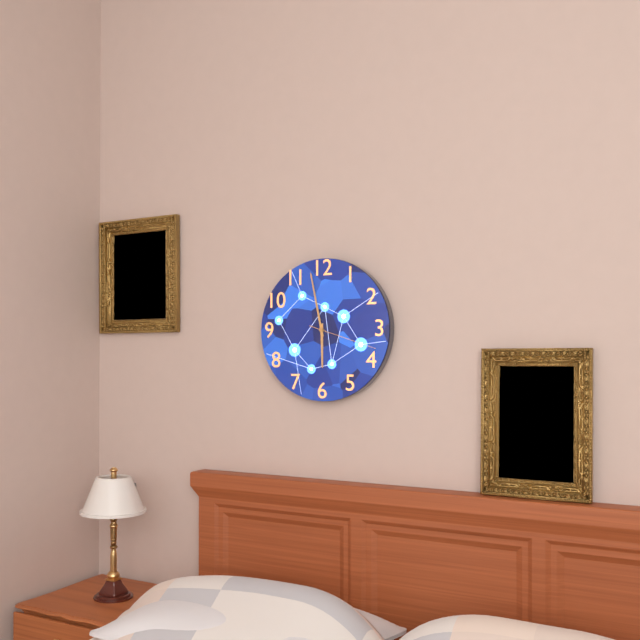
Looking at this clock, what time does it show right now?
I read 5:58:18
